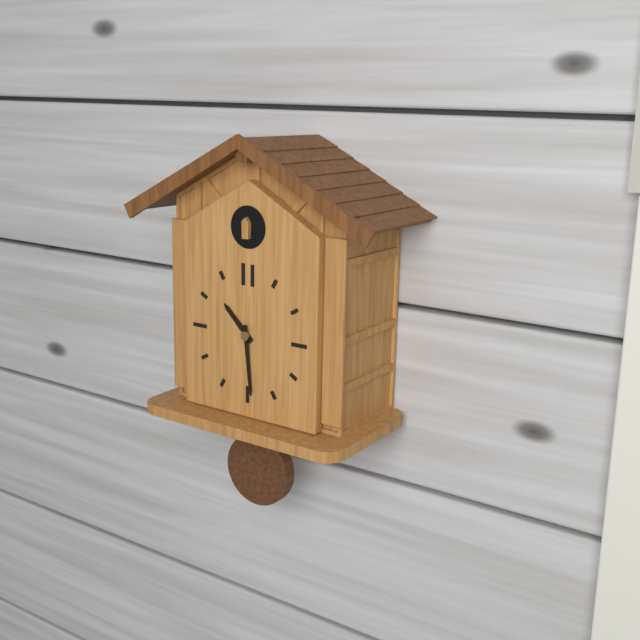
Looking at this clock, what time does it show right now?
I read 10:29
